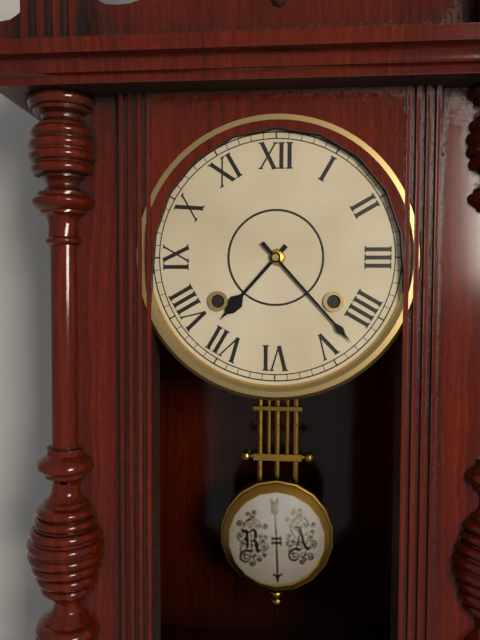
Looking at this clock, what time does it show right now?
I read 7:23
